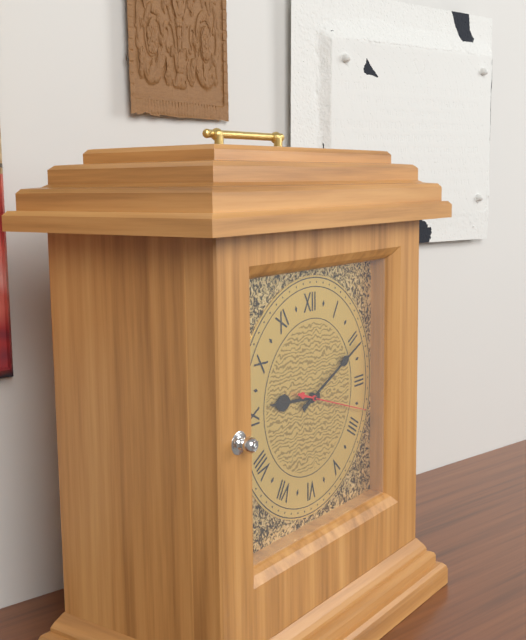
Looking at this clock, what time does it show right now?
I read 9:11:18
